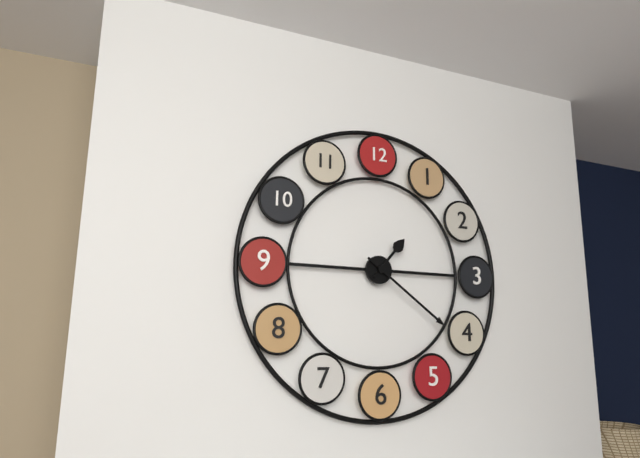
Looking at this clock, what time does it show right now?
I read 1:21
